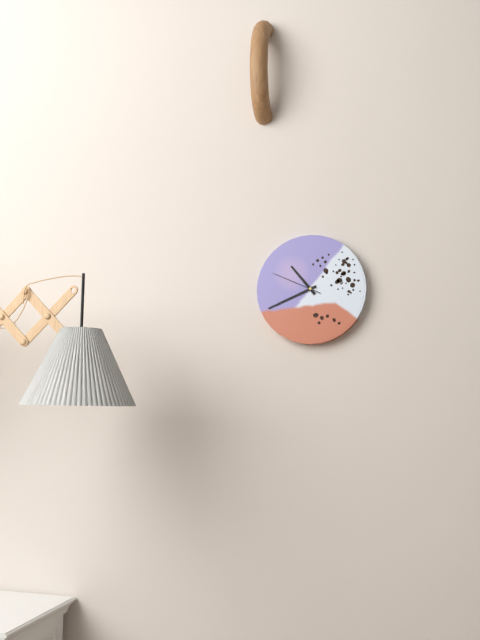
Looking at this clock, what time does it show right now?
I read 10:41:49
